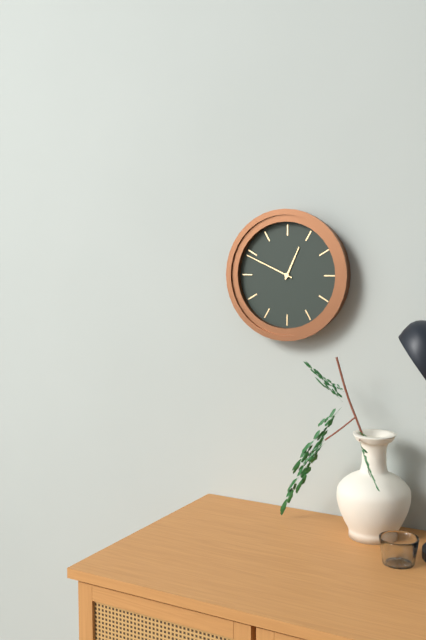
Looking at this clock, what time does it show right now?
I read 12:49
